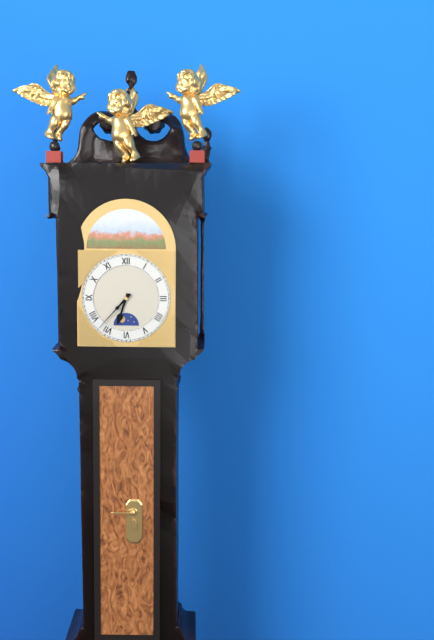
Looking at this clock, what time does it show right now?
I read 6:37
